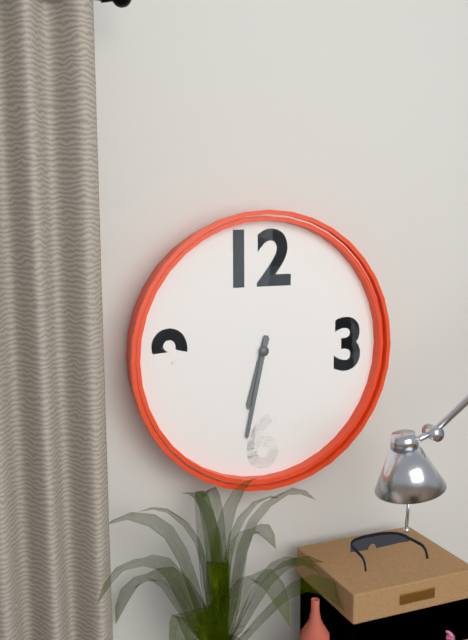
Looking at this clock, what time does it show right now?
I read 6:32
